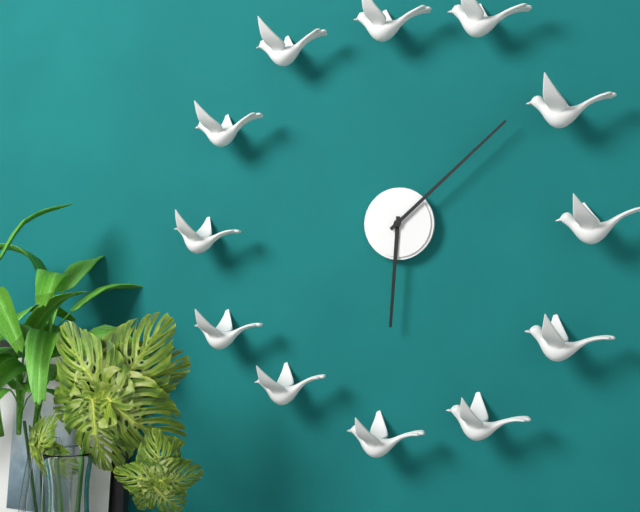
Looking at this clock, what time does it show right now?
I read 6:08
